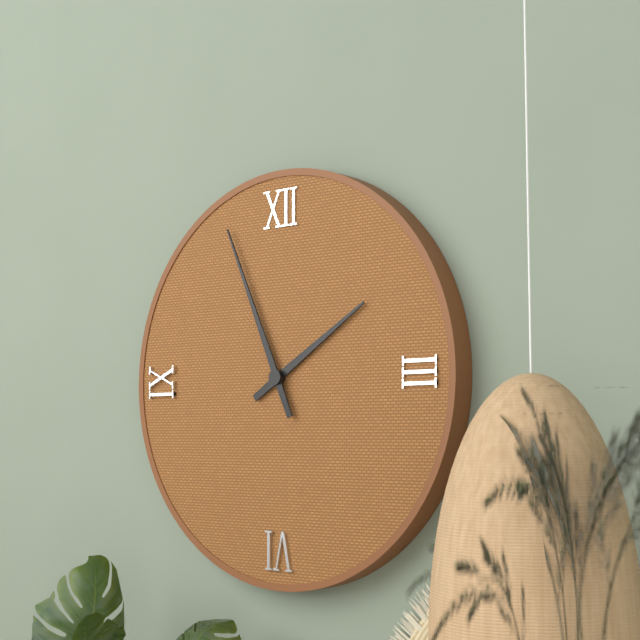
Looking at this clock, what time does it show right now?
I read 1:56
